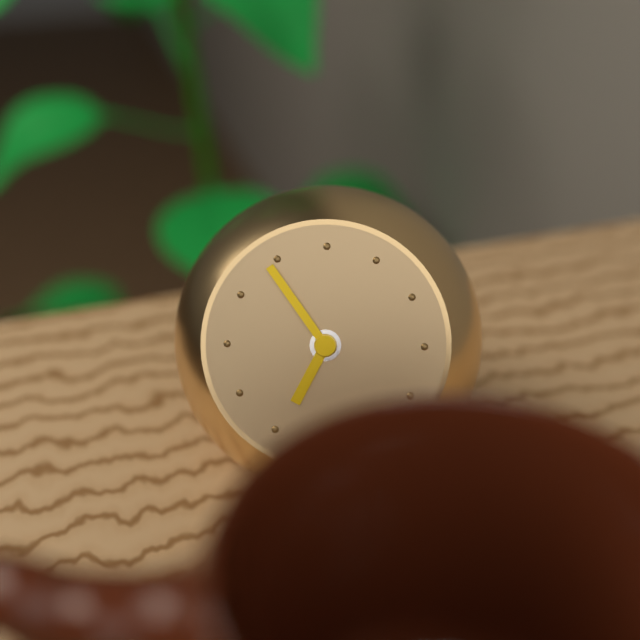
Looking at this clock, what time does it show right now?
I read 6:54
